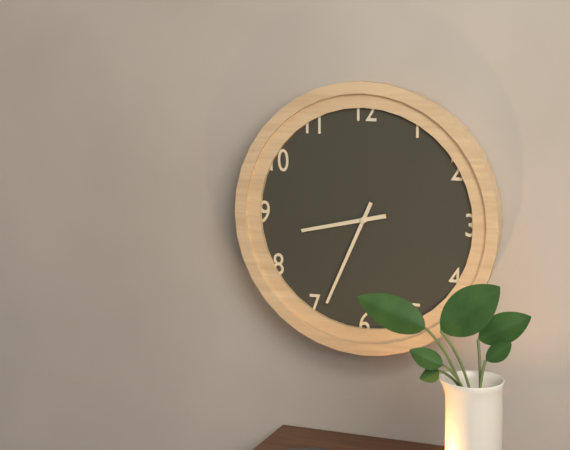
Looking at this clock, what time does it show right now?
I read 8:34
